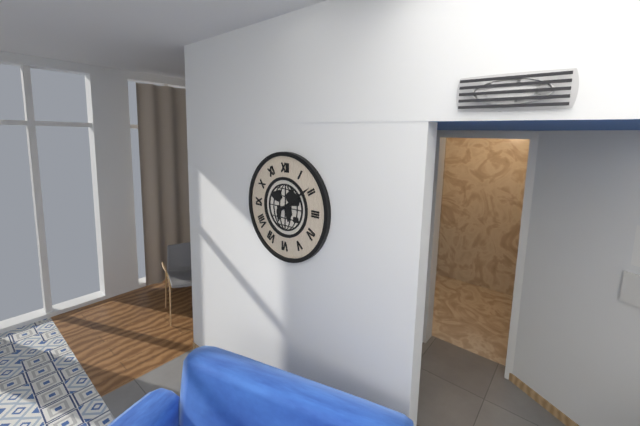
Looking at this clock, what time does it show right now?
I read 2:09
